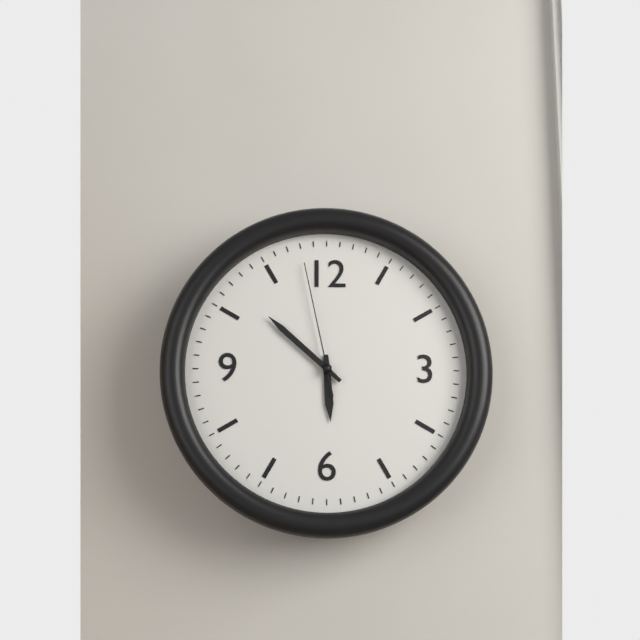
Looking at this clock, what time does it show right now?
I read 5:52:58
